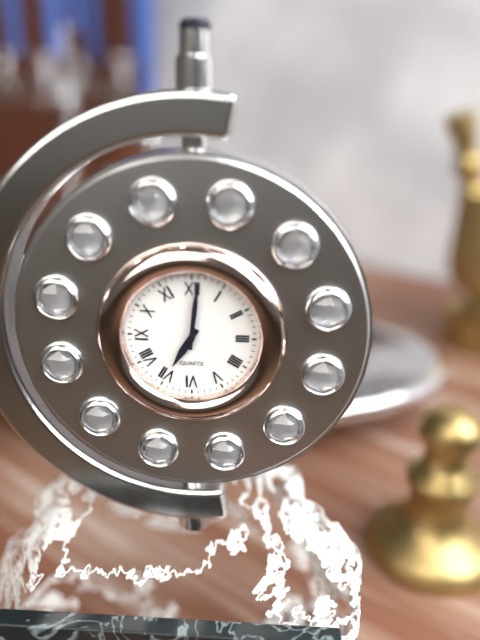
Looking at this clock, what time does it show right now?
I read 7:01
